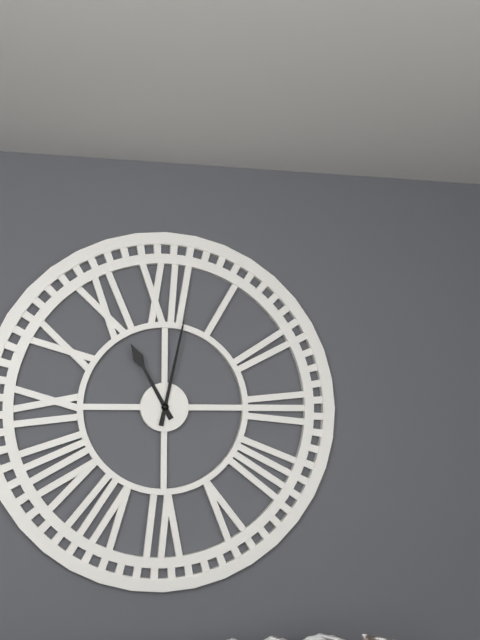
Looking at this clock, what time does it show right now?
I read 11:02
